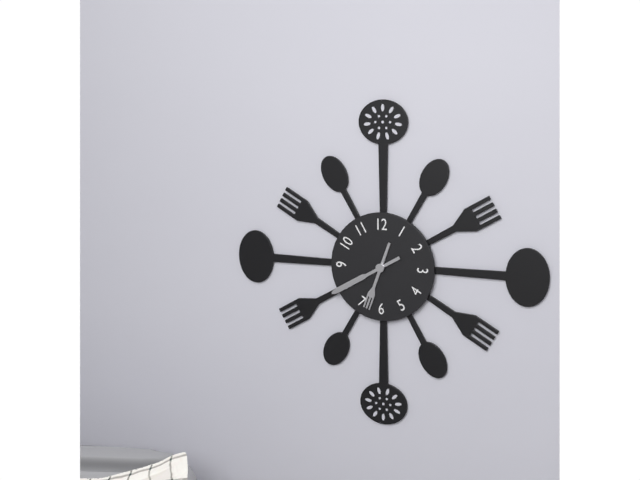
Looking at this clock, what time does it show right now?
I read 6:40
